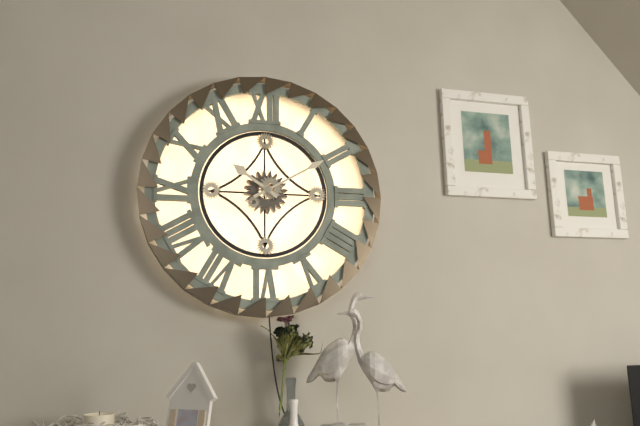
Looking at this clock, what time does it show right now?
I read 10:10
